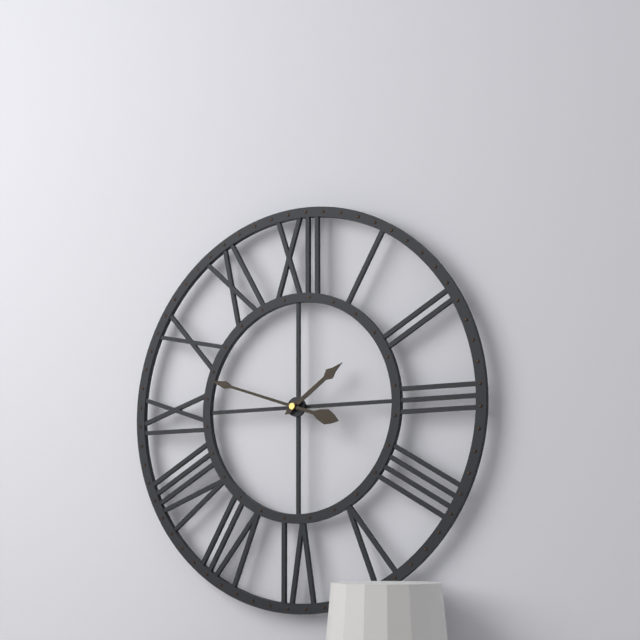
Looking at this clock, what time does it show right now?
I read 1:48
